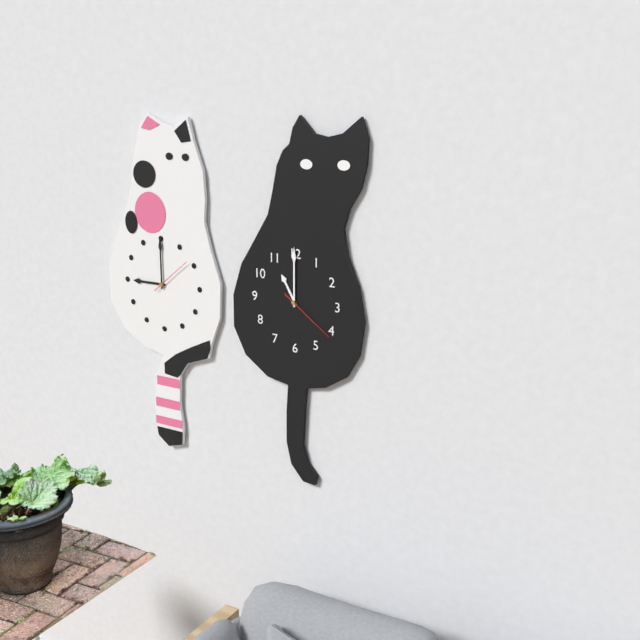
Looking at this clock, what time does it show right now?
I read 11:00:21
